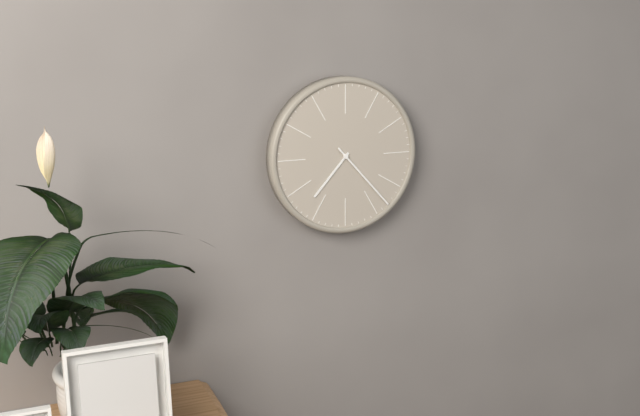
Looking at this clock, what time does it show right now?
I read 7:23
